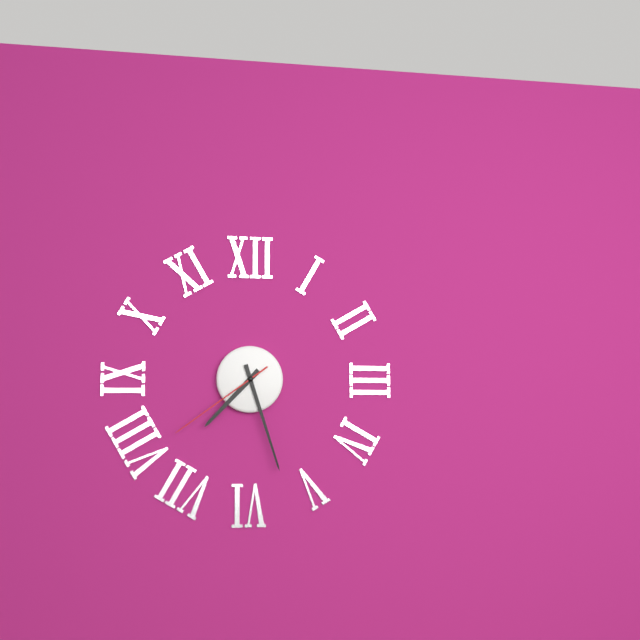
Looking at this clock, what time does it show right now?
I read 7:27:39
